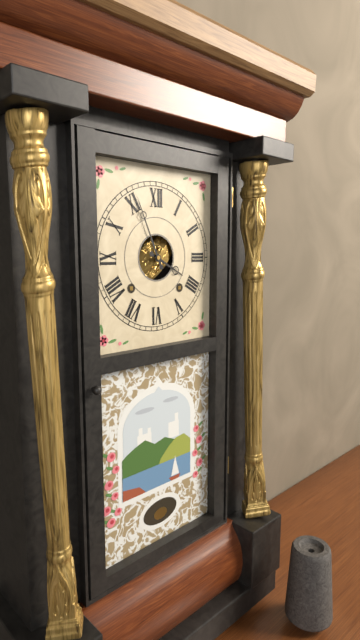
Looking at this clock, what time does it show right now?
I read 3:56
